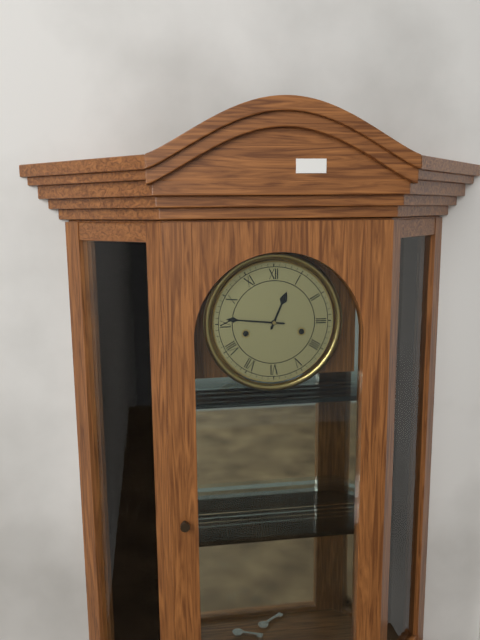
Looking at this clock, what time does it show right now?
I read 12:46
